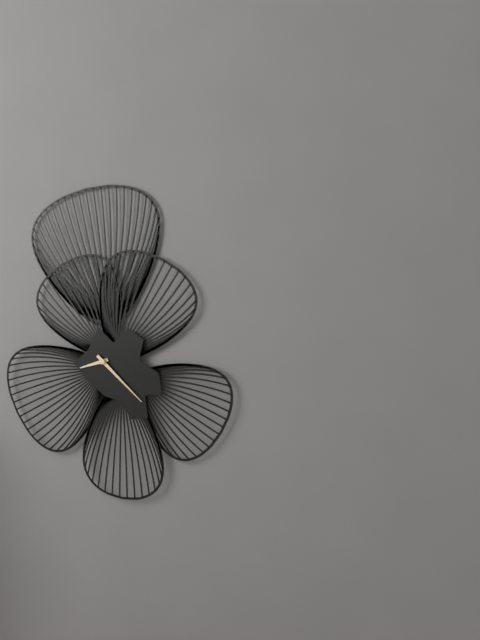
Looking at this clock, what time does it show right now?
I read 8:22
